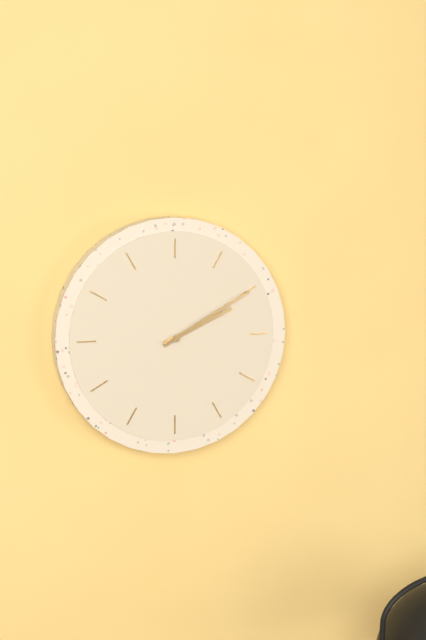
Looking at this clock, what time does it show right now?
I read 2:10
